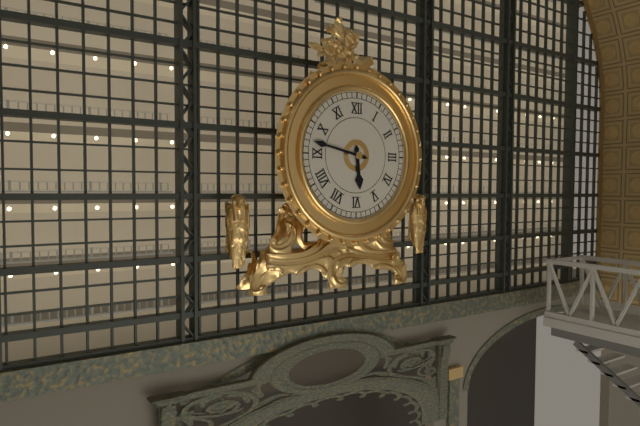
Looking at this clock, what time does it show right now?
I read 5:47
